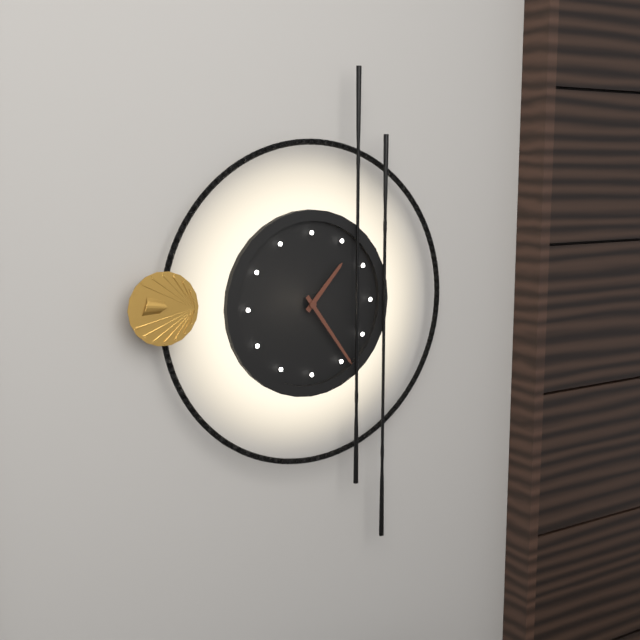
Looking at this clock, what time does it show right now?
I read 1:24
